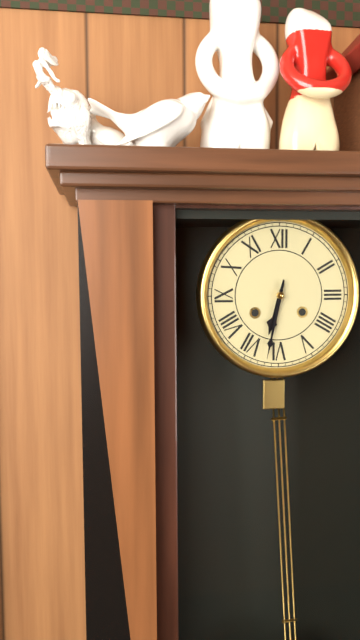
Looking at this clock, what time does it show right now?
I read 6:32
